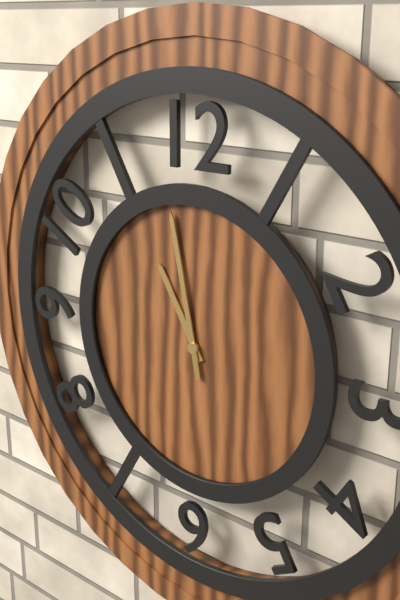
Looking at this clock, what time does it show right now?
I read 10:58
